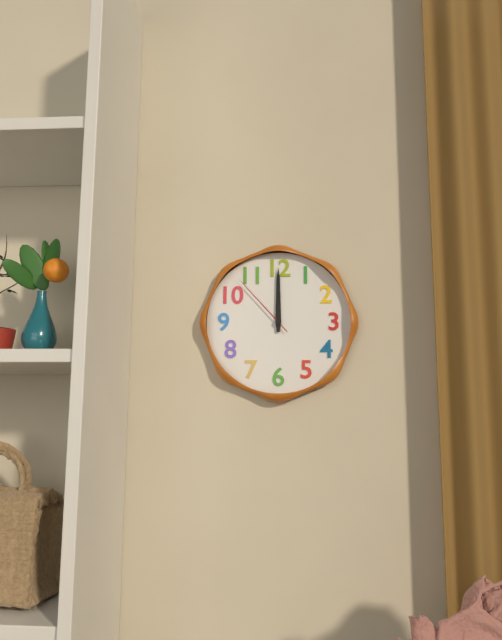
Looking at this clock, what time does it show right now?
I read 12:00:53
